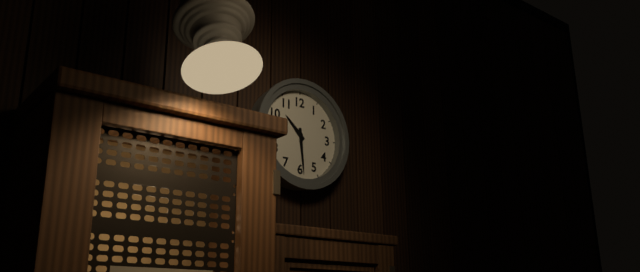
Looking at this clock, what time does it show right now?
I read 10:29
